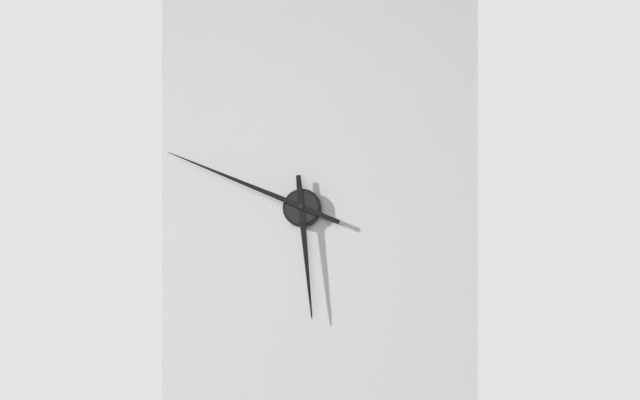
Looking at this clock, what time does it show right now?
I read 5:49
